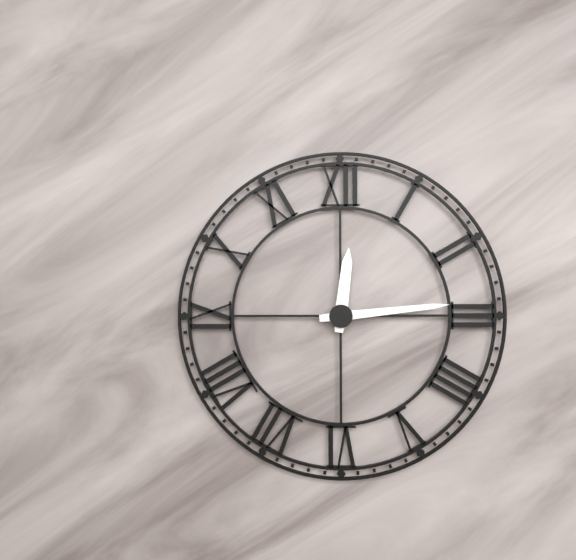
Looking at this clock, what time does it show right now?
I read 12:14
